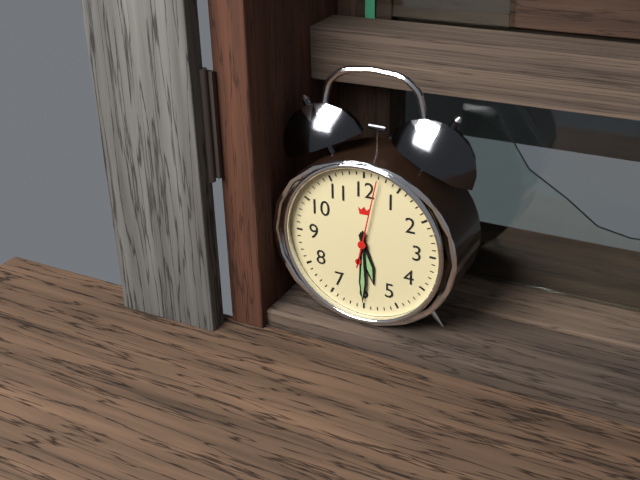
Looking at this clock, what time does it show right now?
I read 5:30:02
